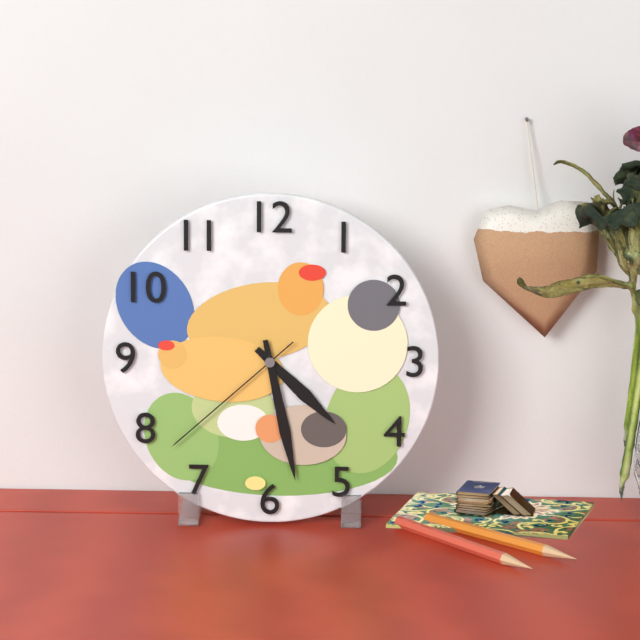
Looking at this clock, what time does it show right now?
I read 4:28:38
